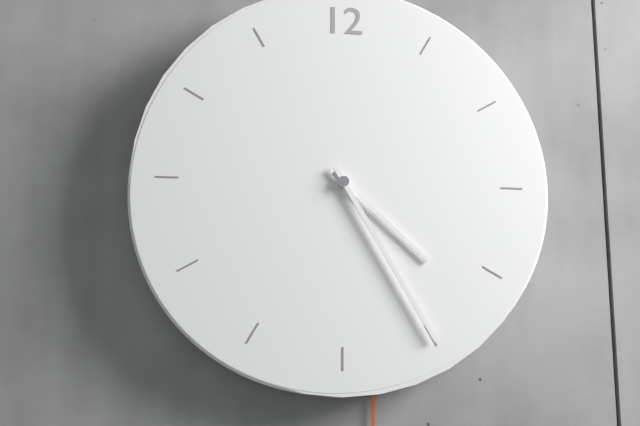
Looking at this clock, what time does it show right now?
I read 4:25
